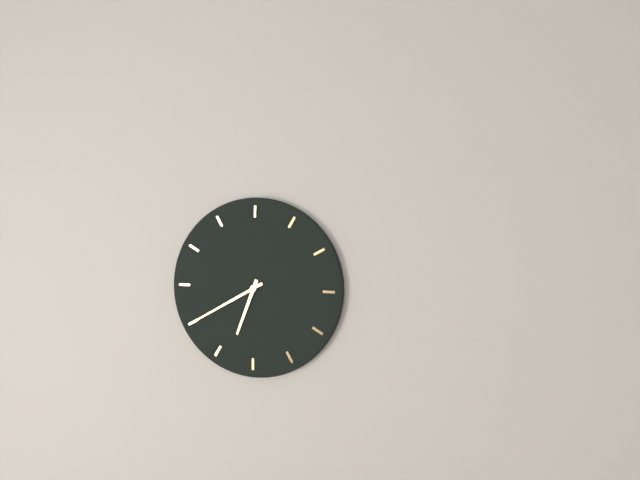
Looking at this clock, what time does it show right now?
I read 6:40
